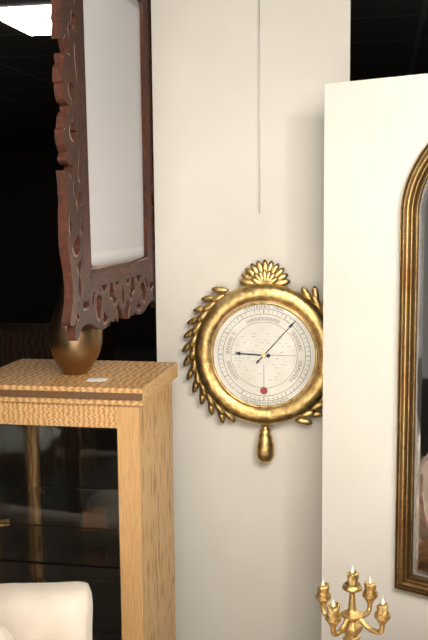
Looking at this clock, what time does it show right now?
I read 9:07
